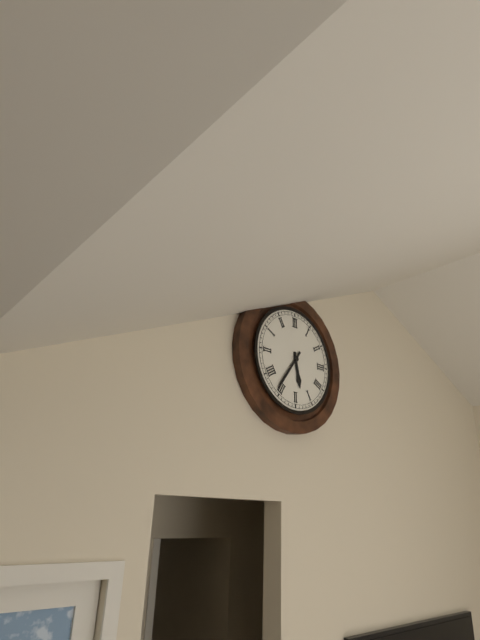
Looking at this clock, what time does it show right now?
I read 5:36
